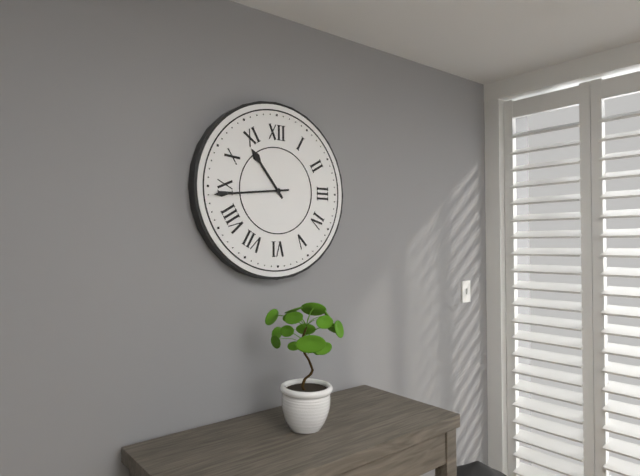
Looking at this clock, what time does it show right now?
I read 10:44
